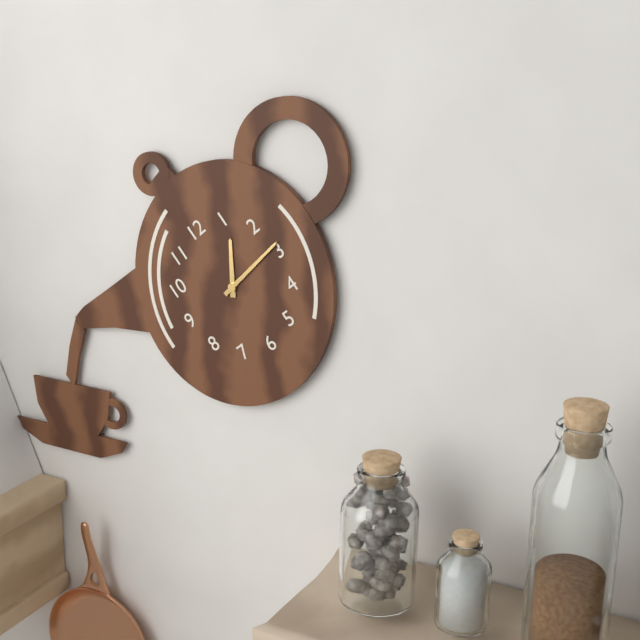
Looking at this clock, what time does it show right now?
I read 1:14
